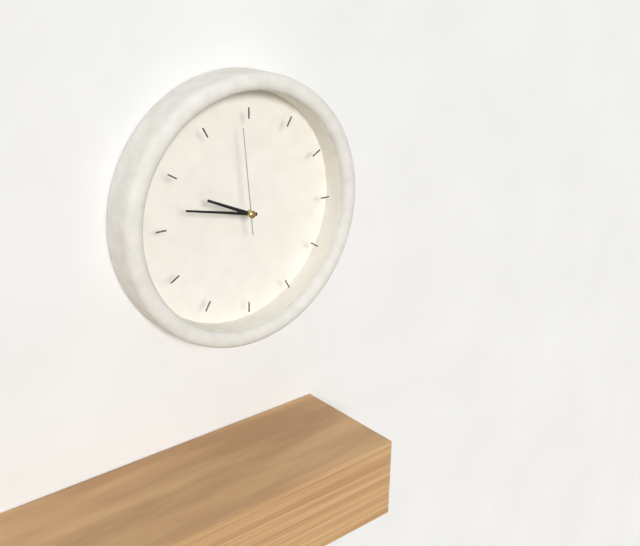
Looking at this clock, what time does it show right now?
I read 9:47:59
